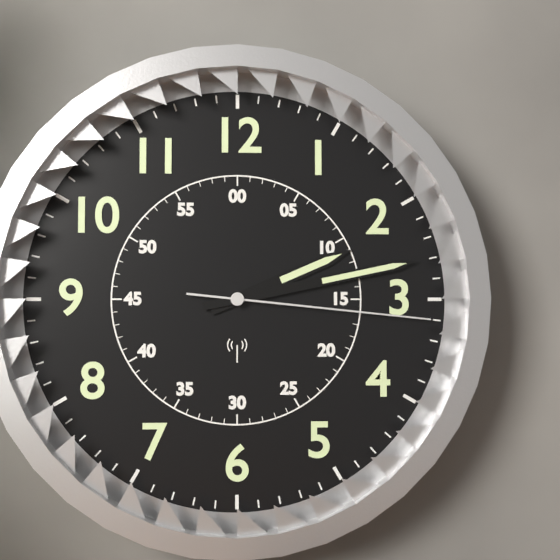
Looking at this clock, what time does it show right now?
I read 2:13:16
